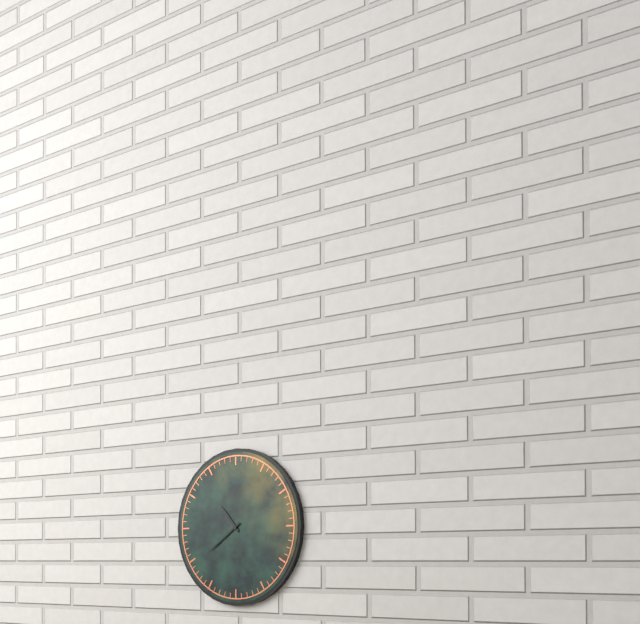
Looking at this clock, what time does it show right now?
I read 10:39
